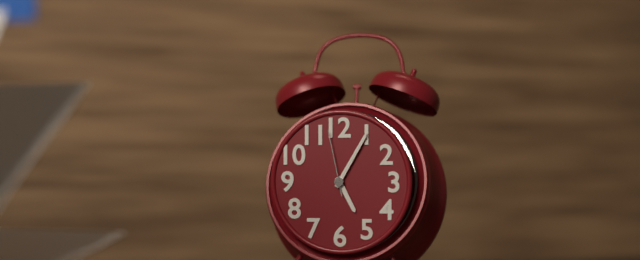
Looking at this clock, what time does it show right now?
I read 5:05:58
